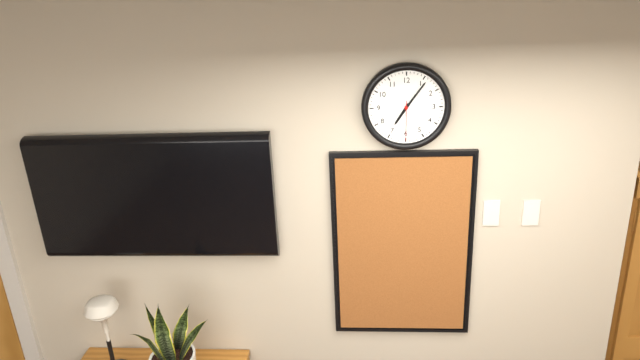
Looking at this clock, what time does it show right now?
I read 7:06
